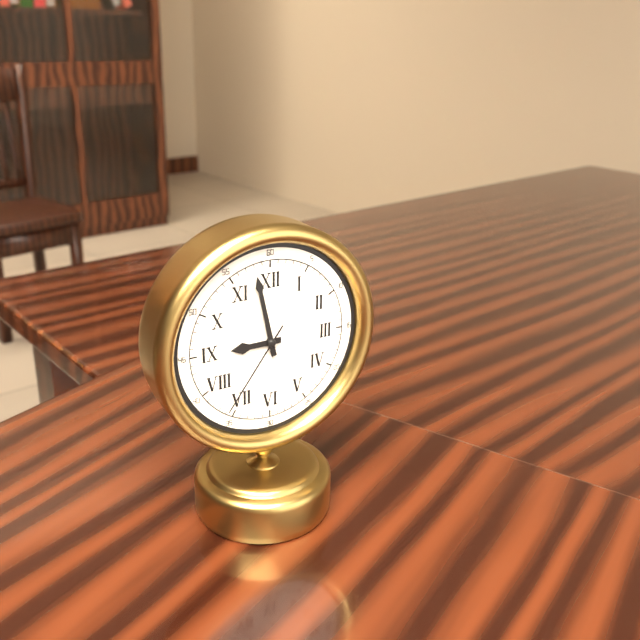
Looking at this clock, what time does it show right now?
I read 8:58:36
